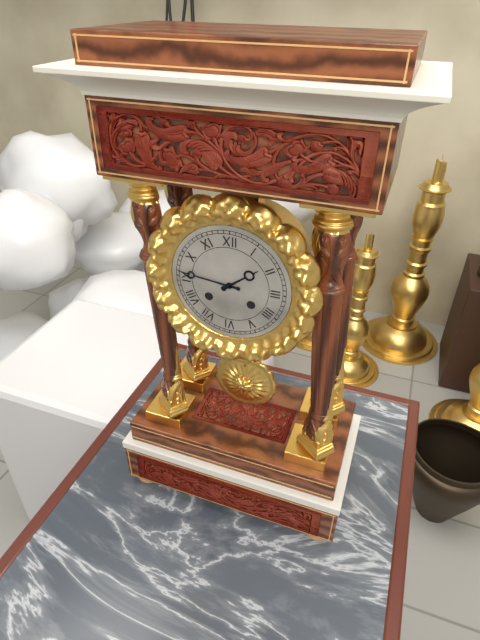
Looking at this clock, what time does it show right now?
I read 1:46
